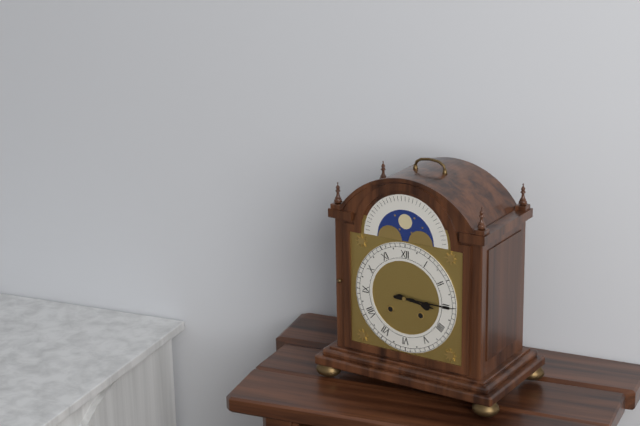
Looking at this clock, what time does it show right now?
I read 3:15
